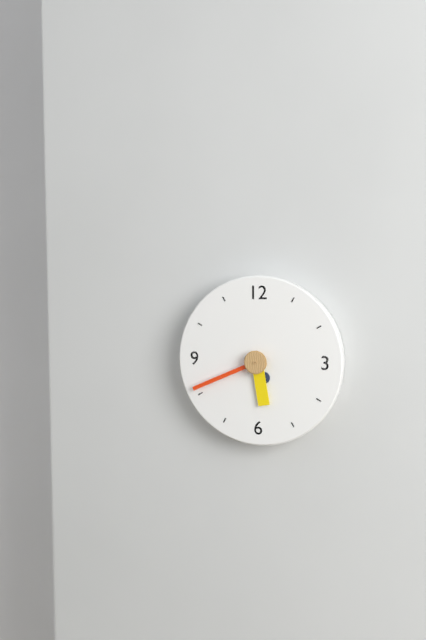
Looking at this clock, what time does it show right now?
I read 5:41
